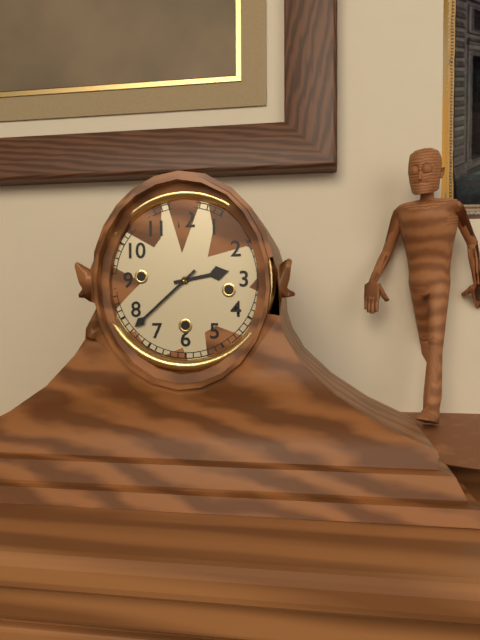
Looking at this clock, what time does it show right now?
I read 2:38
